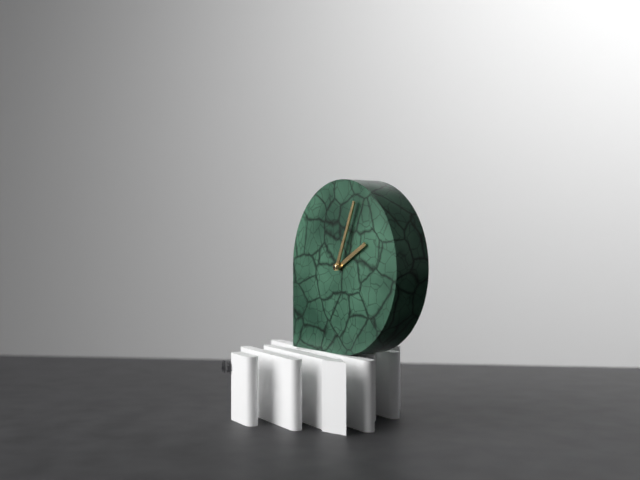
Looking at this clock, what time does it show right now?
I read 2:04
